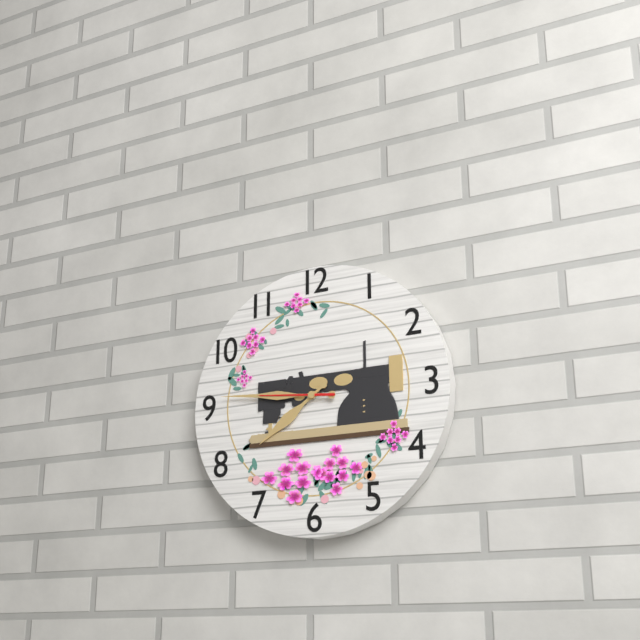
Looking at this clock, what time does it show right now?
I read 7:46:46
